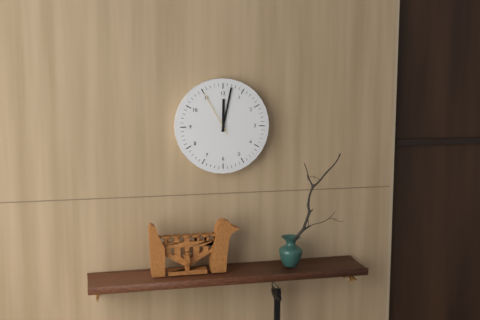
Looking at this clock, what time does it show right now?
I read 12:02
